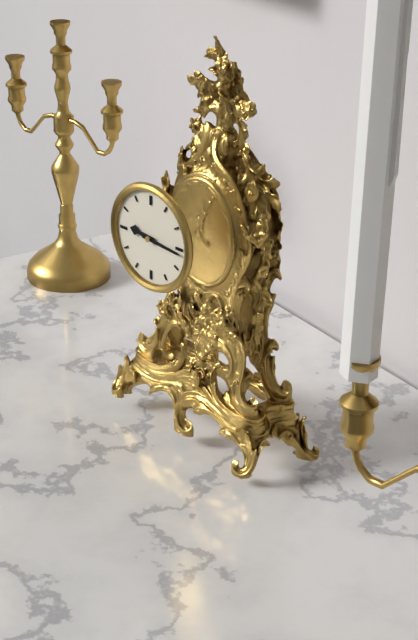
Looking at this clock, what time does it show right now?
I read 9:16
